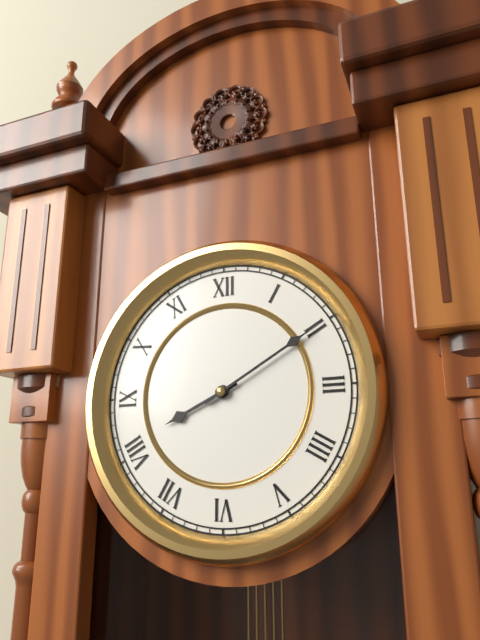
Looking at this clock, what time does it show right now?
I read 8:10
